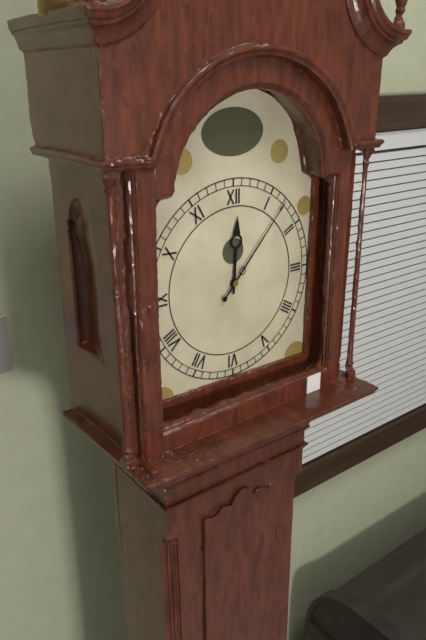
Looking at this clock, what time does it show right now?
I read 12:07
